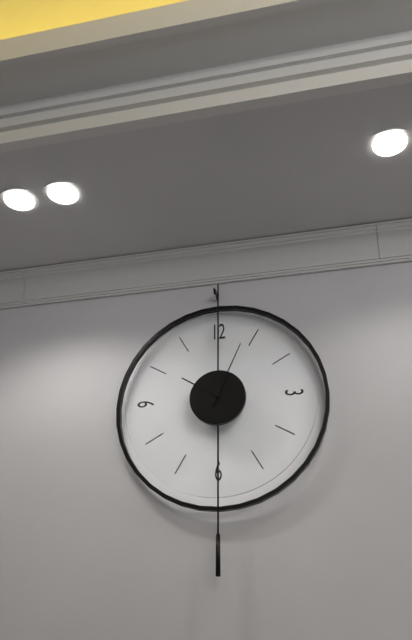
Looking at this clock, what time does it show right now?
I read 10:04
